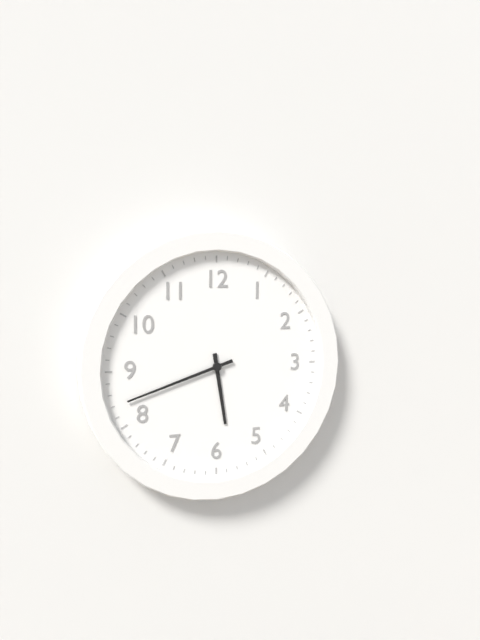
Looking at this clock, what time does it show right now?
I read 5:42
